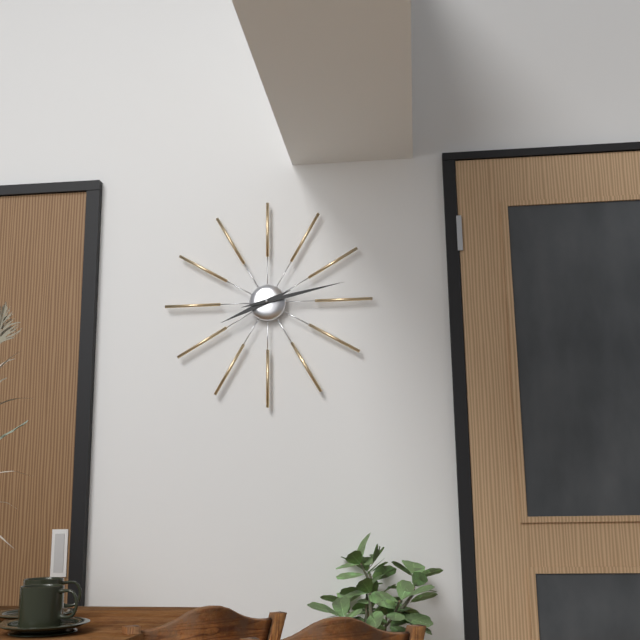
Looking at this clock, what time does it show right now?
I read 8:13
